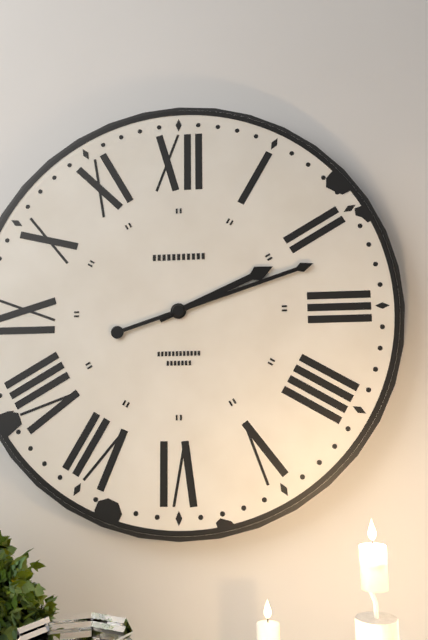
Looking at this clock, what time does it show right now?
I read 2:12
